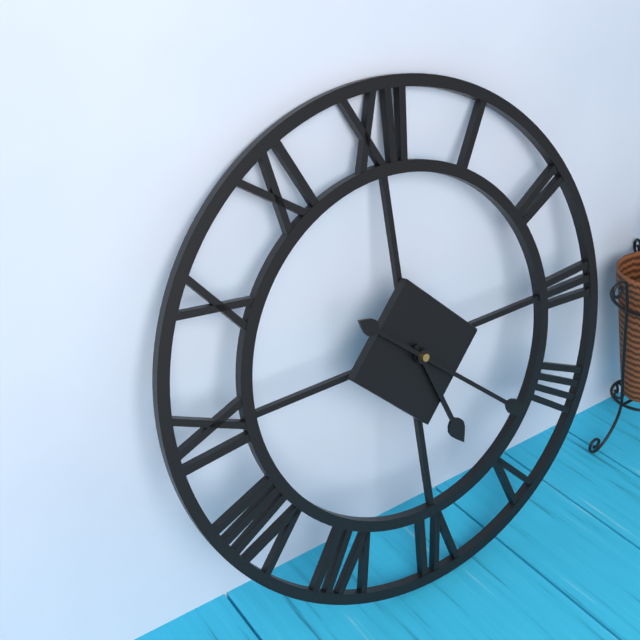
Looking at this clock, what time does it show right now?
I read 5:22
